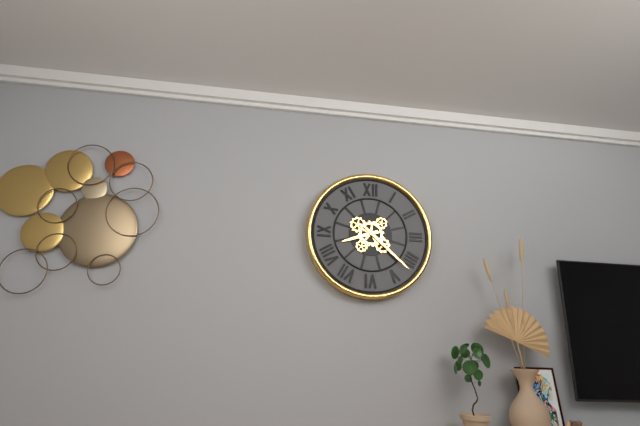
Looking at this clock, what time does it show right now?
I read 8:22
